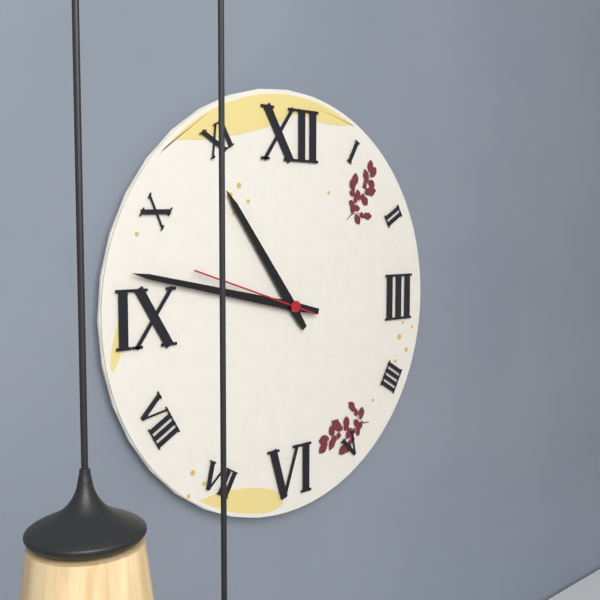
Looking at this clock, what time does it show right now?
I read 10:47:48
